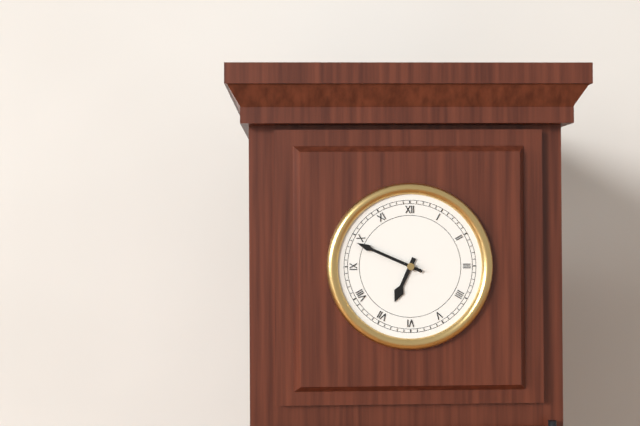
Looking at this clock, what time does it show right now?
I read 6:49
